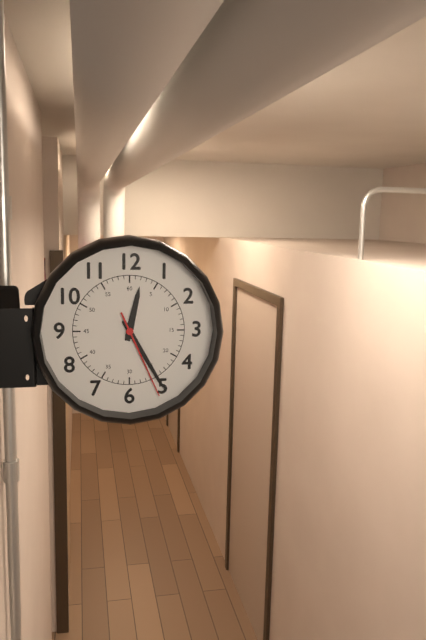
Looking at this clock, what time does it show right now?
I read 12:25:26
